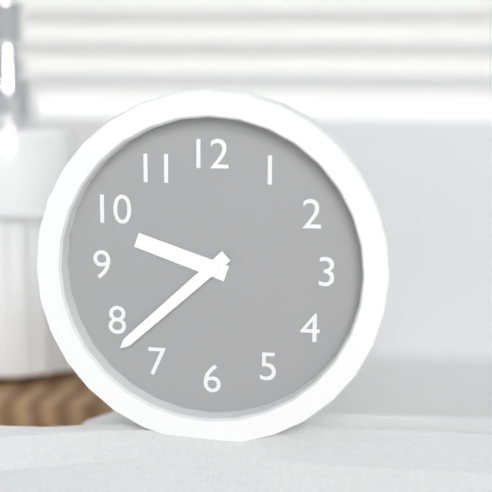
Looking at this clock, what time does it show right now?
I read 9:38
